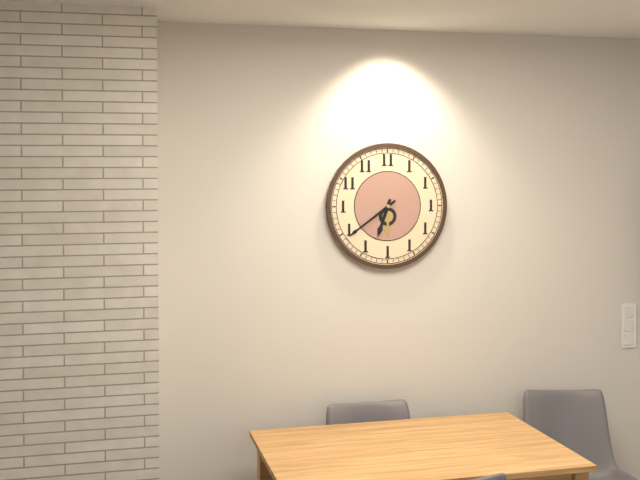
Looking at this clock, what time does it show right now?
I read 6:39
